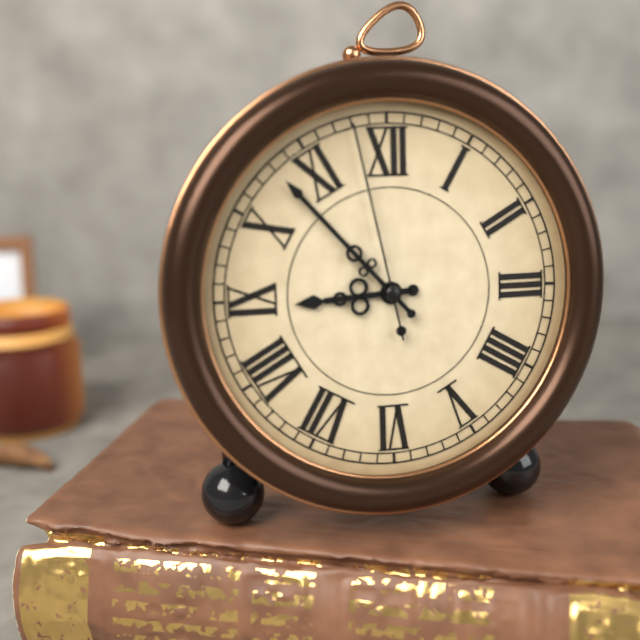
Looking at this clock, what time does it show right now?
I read 8:53:58
